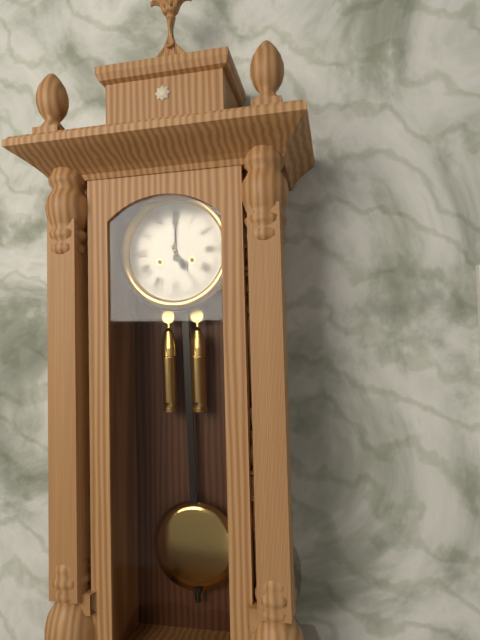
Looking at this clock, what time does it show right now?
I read 5:00
